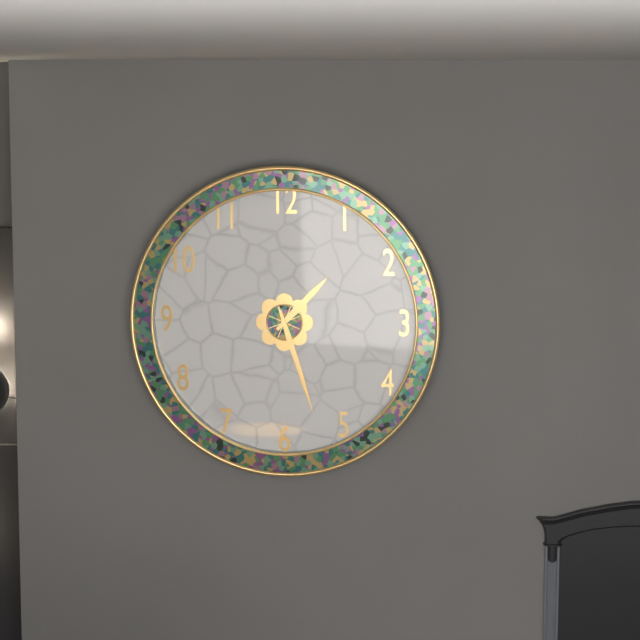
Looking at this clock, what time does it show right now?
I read 1:27:27
